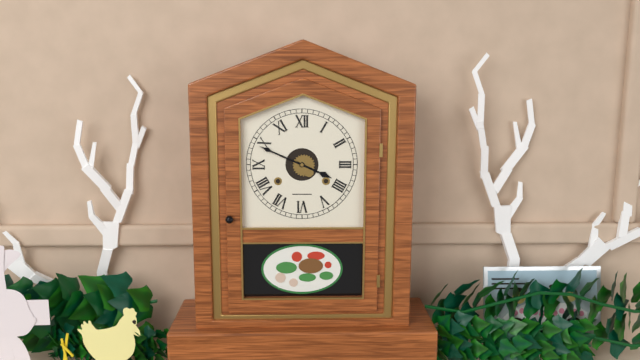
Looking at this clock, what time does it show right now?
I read 3:49
